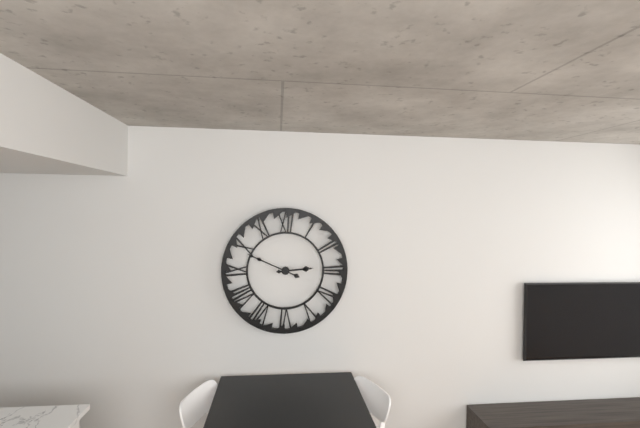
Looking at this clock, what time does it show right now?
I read 2:49
